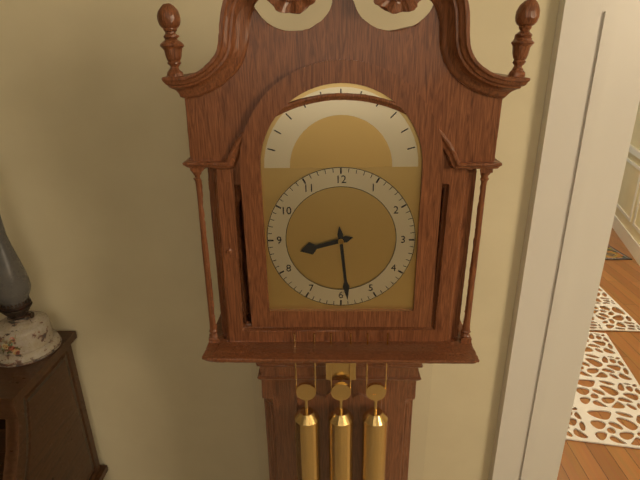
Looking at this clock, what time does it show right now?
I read 8:29
